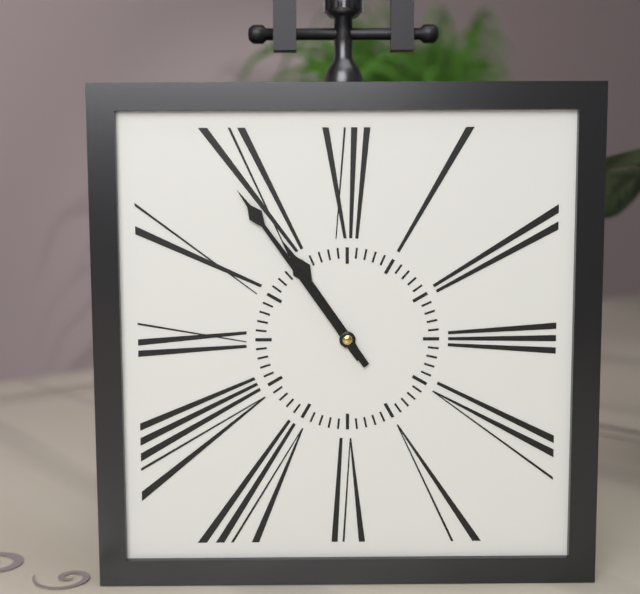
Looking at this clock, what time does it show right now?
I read 10:54
